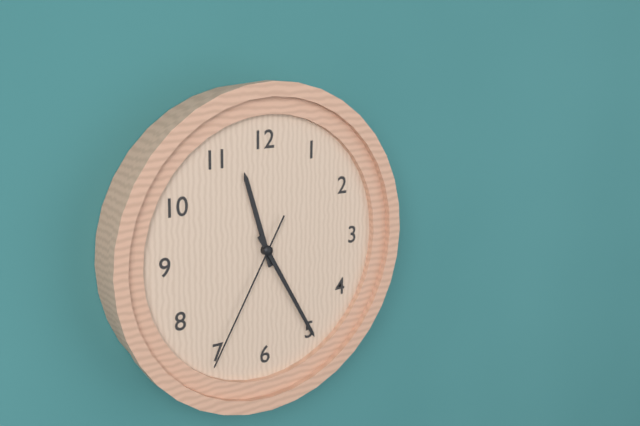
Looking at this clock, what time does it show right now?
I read 11:25:35
